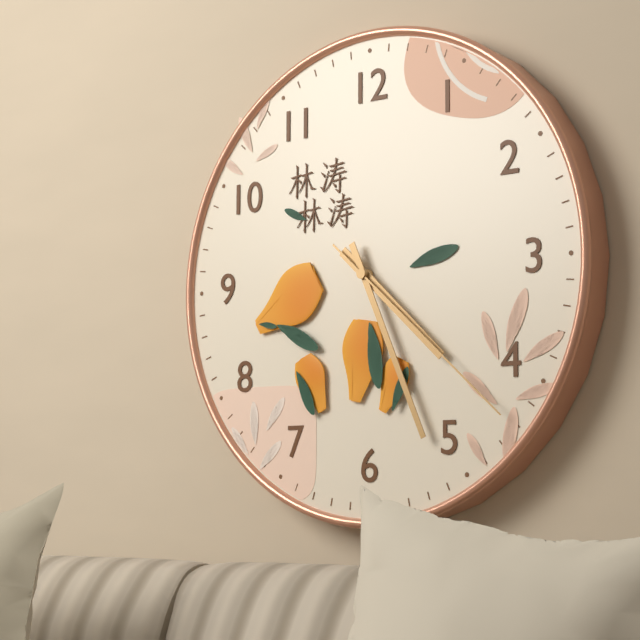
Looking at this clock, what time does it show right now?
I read 4:26:22
